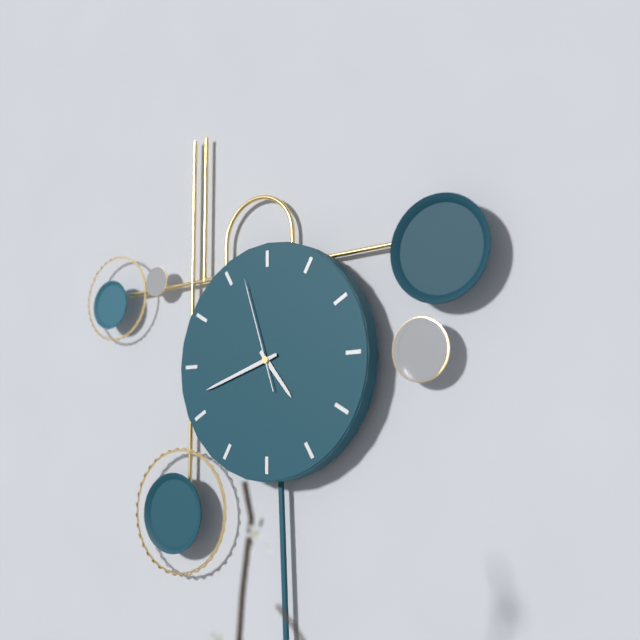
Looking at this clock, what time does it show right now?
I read 4:42:57
